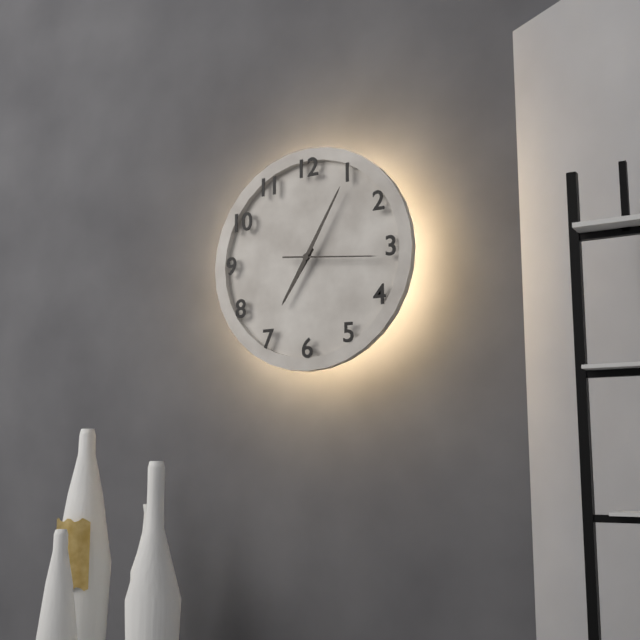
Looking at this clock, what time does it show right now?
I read 7:05:16
